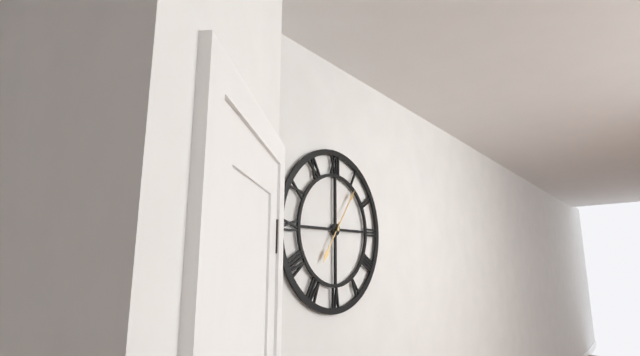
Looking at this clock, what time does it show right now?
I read 7:06
